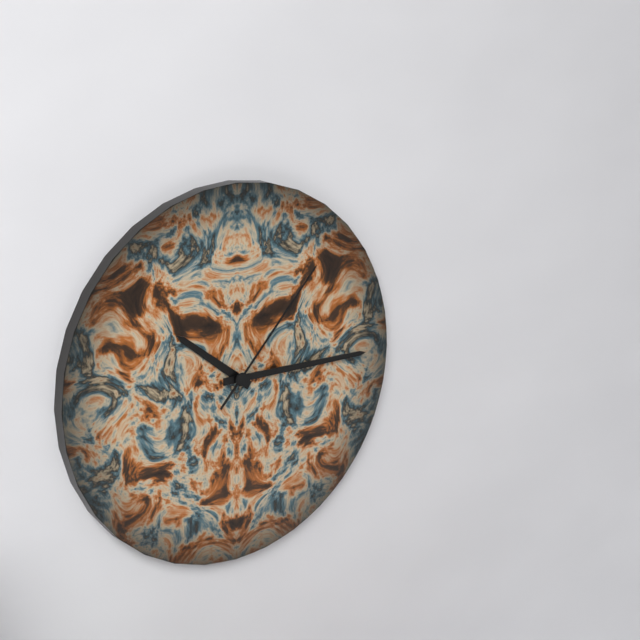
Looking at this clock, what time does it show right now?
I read 10:15:07
